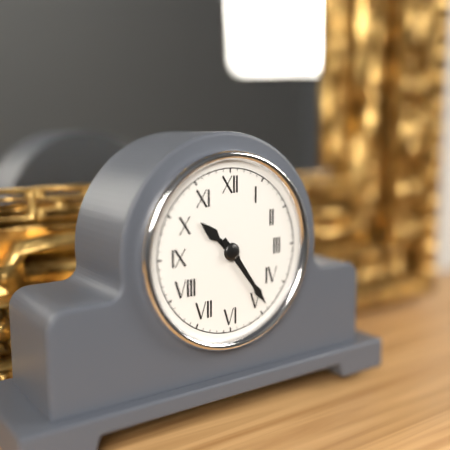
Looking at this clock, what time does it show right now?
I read 10:24
